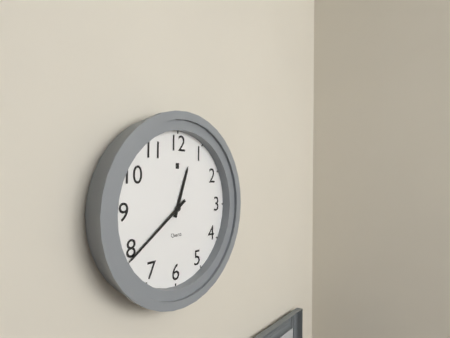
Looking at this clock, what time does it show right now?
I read 12:39
